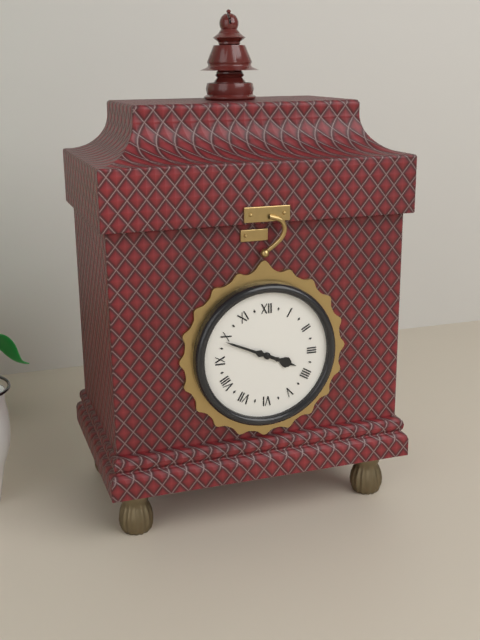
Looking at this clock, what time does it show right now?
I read 3:49
